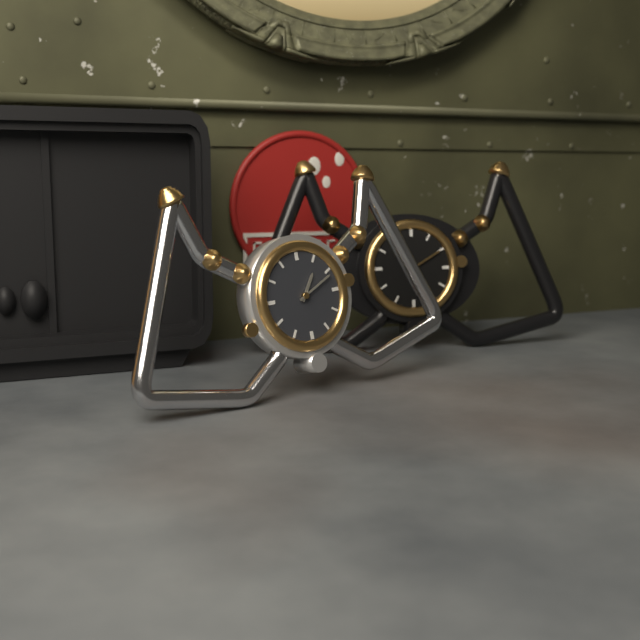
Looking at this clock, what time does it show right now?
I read 1:11
